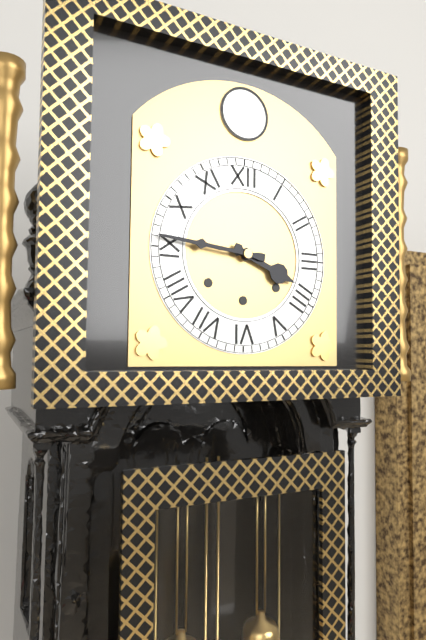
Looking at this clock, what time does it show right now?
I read 3:46
